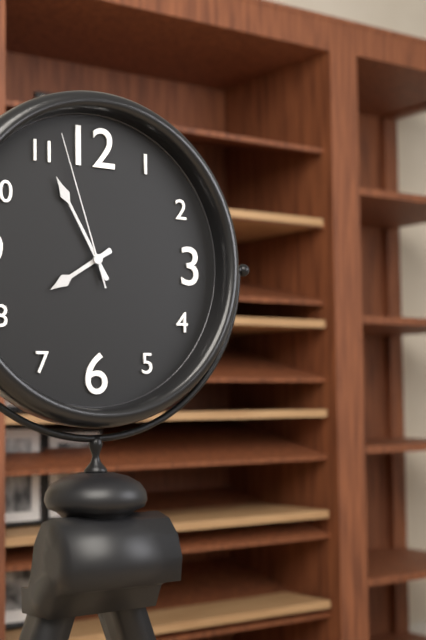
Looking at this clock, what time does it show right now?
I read 7:55:57
